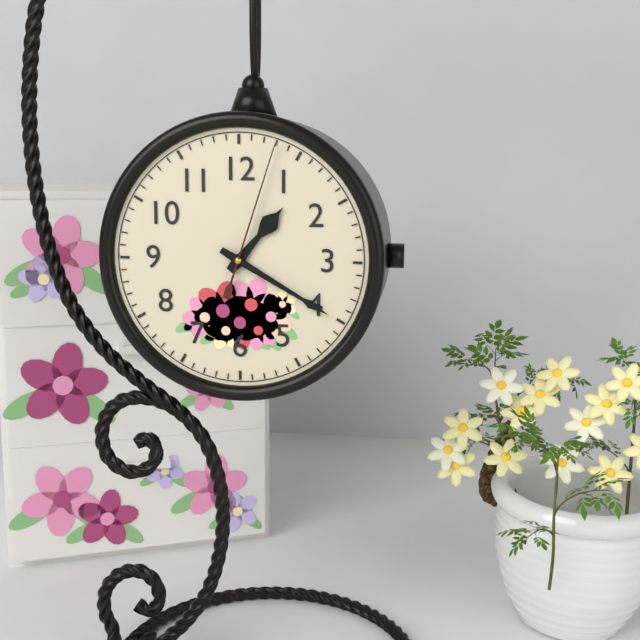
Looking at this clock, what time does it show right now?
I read 1:20:03
